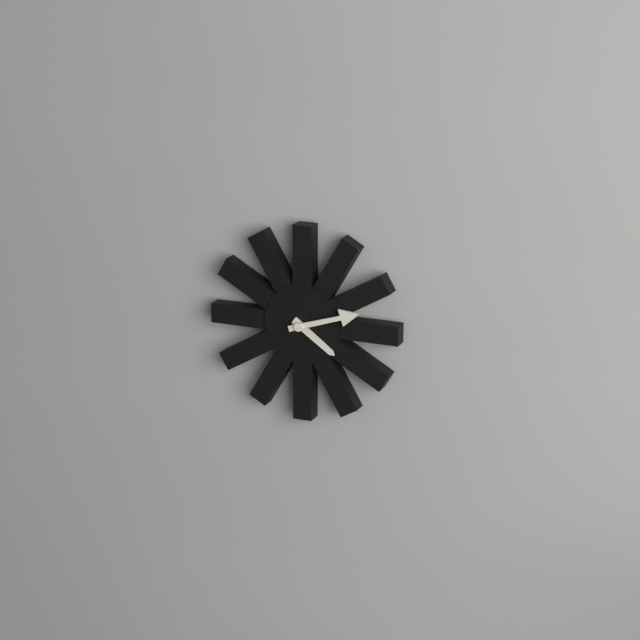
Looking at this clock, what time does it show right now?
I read 4:12
